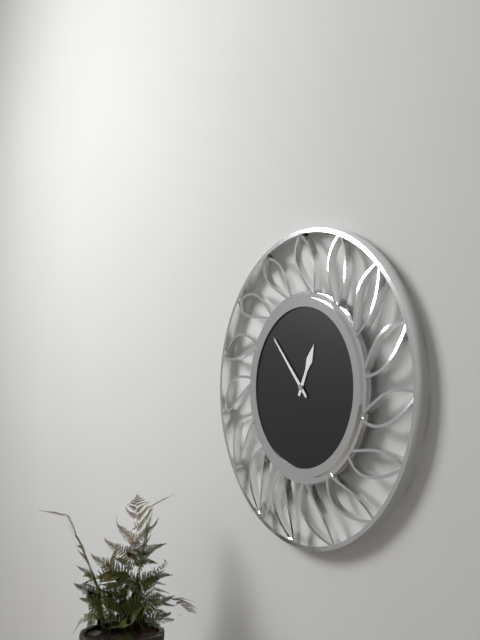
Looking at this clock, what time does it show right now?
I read 12:53
